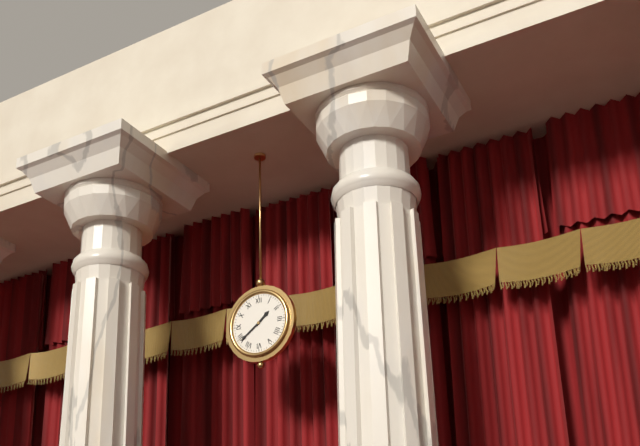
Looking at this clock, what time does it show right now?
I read 1:39
